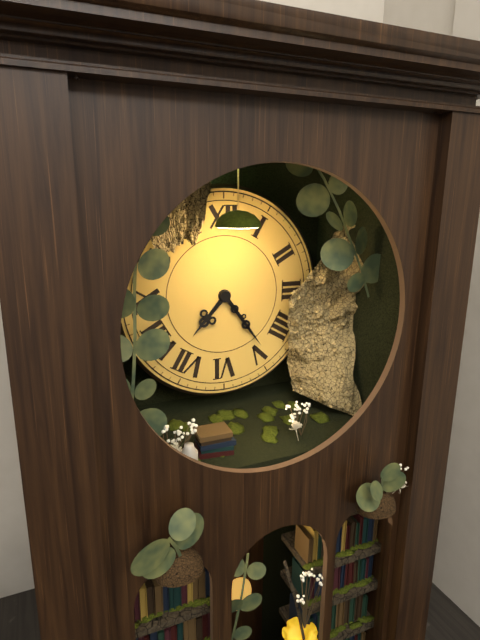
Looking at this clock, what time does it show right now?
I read 7:24
